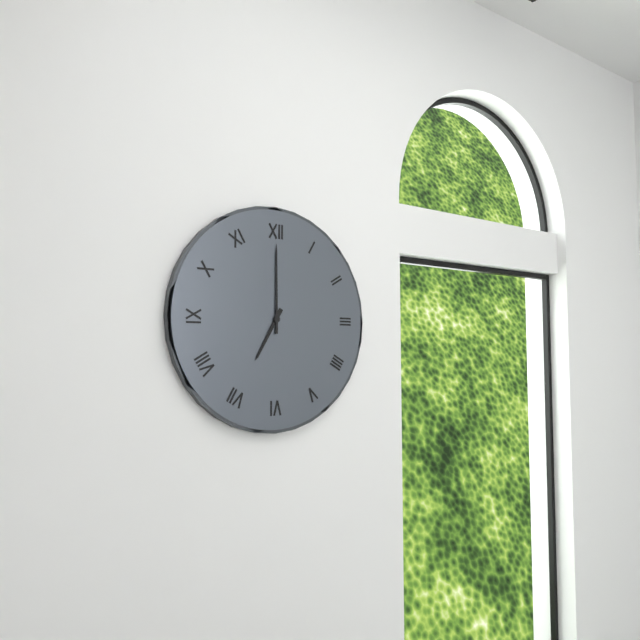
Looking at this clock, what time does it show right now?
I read 7:00
